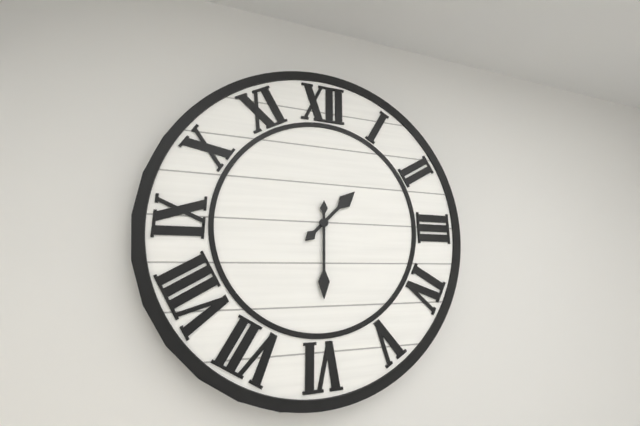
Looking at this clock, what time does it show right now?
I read 1:30
